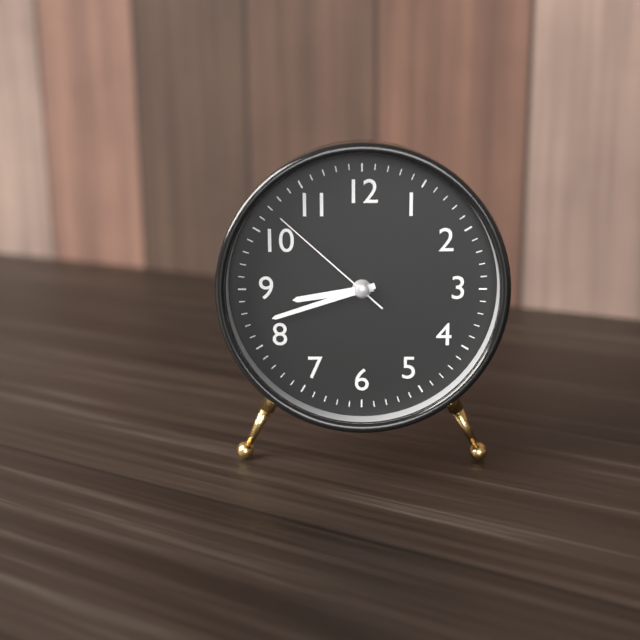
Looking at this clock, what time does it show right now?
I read 8:42:52
